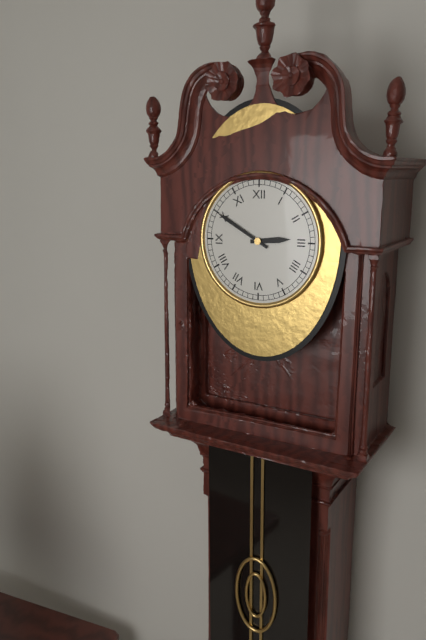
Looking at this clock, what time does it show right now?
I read 2:50
